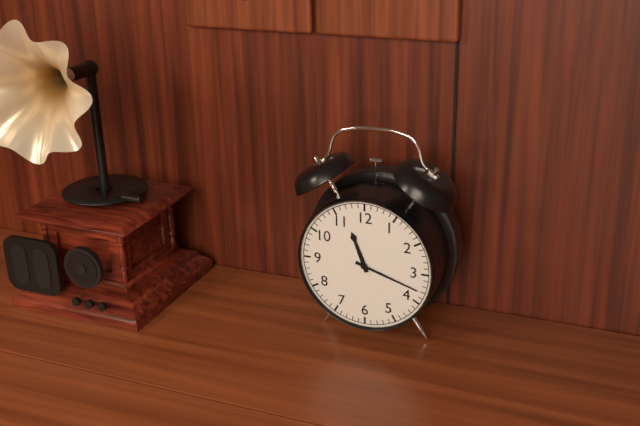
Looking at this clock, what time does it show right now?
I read 11:18
